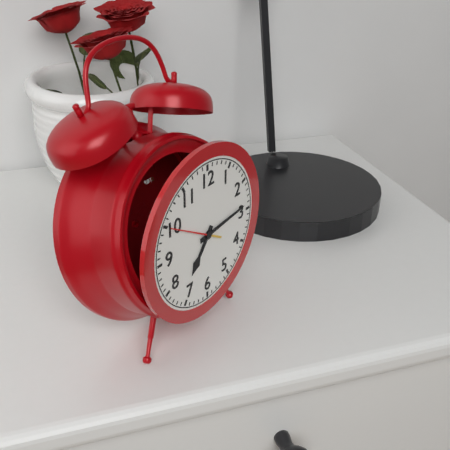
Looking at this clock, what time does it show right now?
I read 7:14
